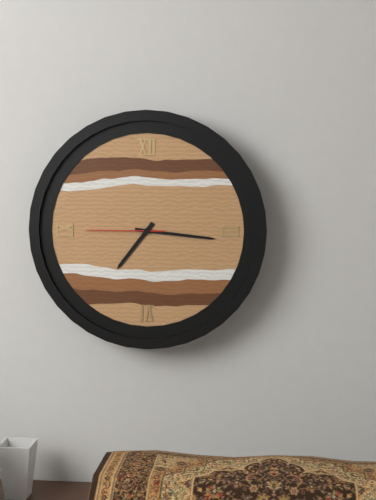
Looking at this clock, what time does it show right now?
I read 7:16:45
